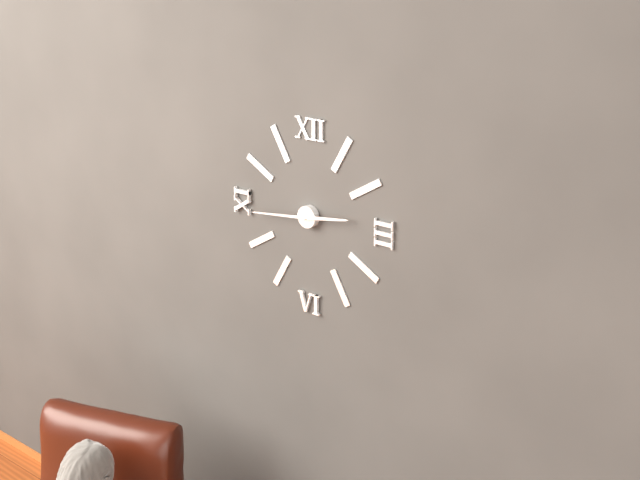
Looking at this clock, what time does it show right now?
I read 2:44
